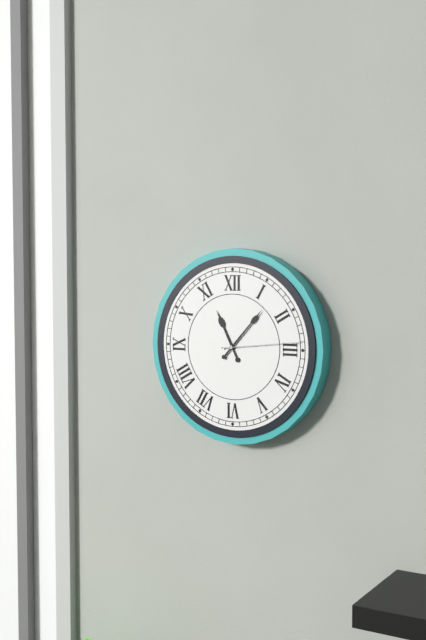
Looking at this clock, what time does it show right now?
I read 11:07:14
